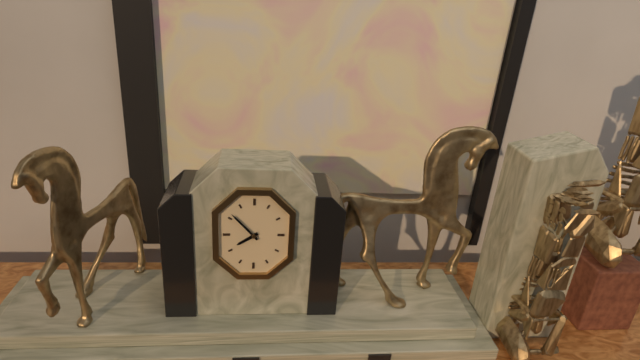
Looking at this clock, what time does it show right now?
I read 7:53
